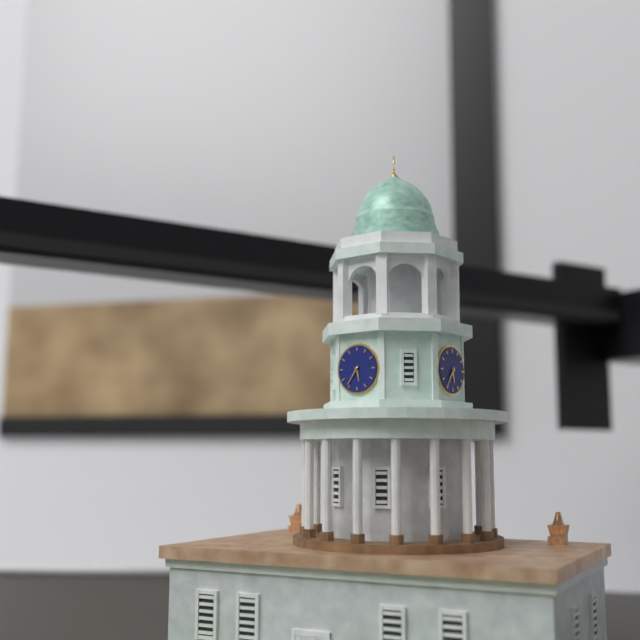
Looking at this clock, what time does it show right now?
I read 5:36
